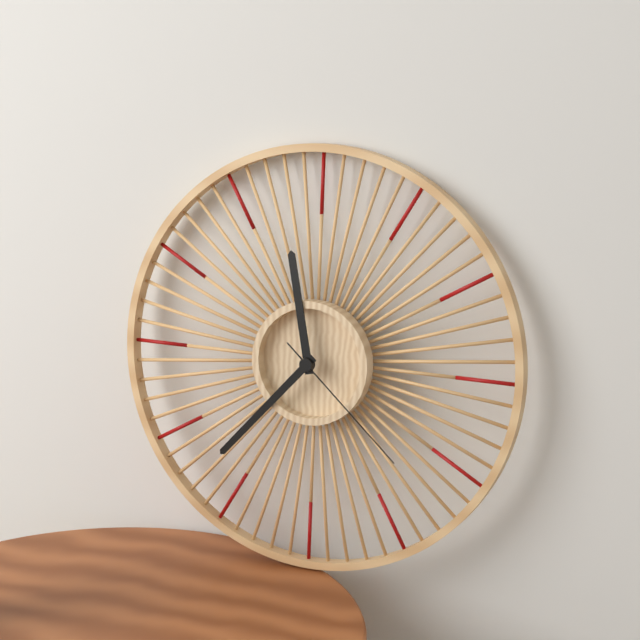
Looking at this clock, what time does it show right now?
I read 11:37:22
